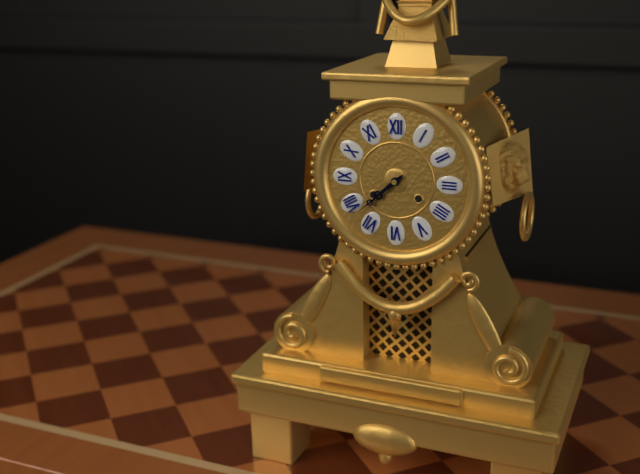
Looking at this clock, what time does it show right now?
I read 7:38
